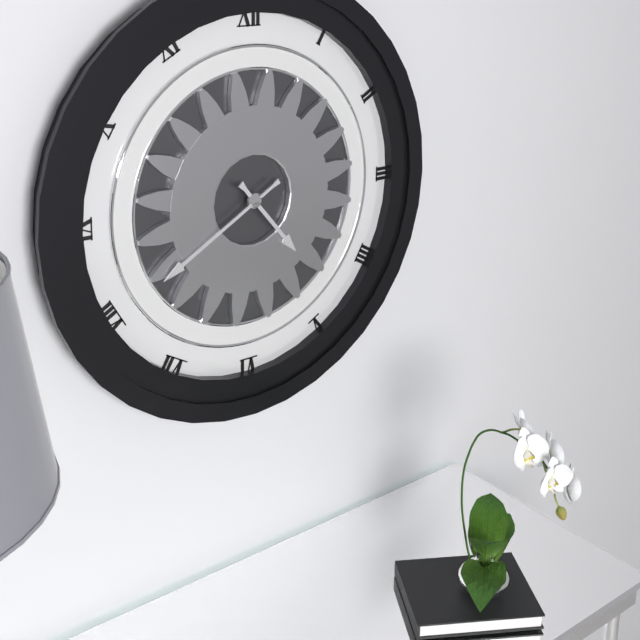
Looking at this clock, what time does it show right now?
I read 4:40
